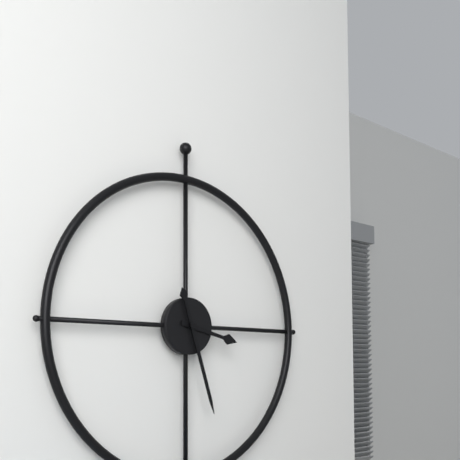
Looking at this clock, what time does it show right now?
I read 3:27
